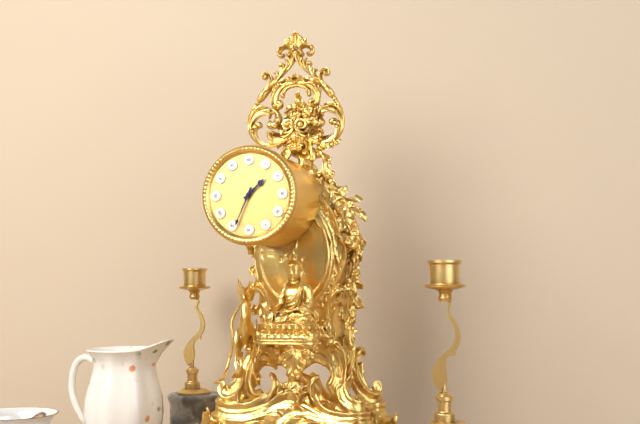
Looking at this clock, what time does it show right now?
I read 1:34
